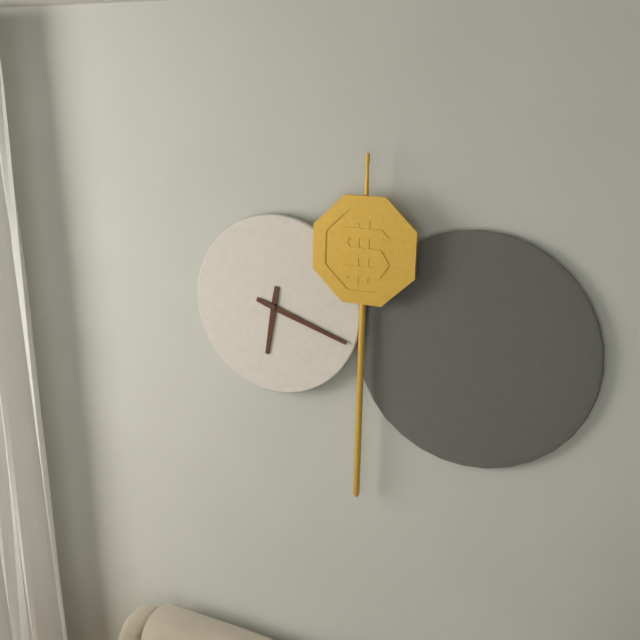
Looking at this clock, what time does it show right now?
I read 6:18
